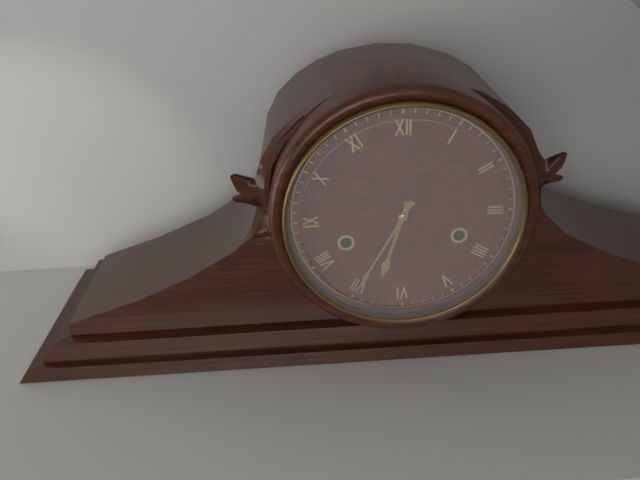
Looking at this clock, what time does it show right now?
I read 6:35
